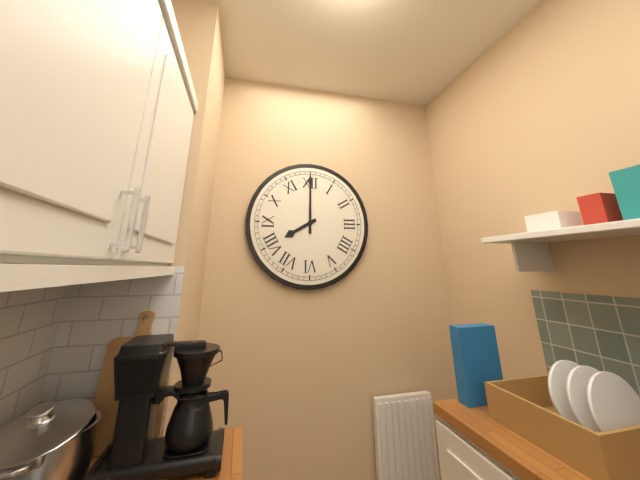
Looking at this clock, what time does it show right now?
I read 8:00
